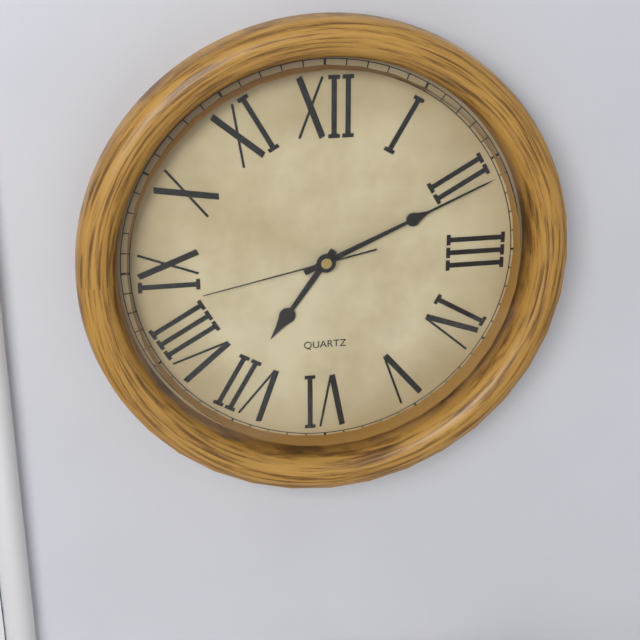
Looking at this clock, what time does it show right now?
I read 7:11:43
